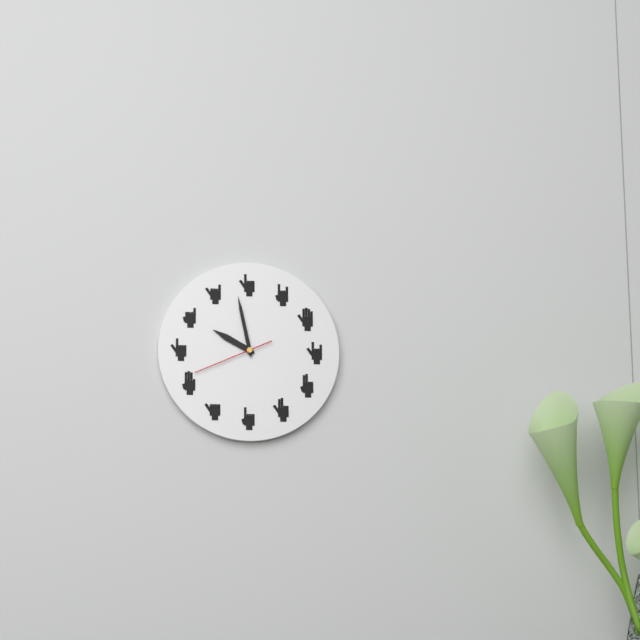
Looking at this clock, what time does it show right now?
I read 9:58:41
